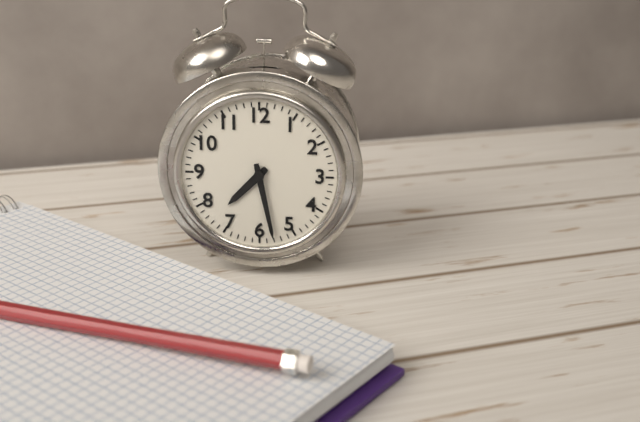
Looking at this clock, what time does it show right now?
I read 7:28
